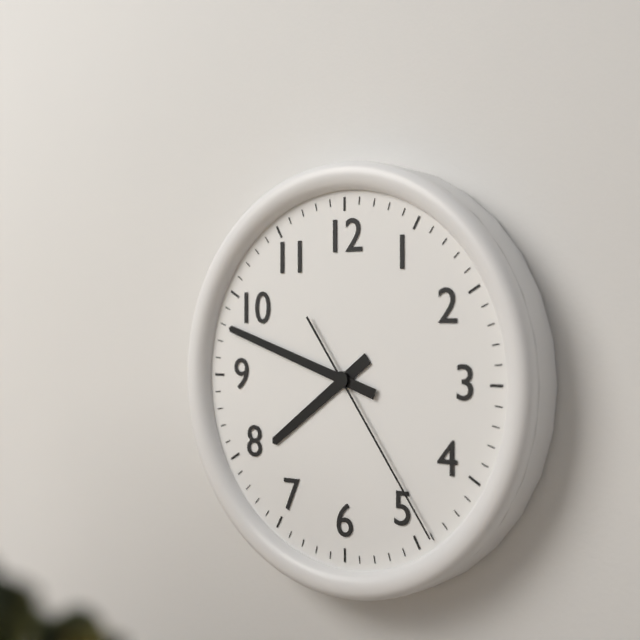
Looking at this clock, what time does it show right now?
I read 7:48:24
